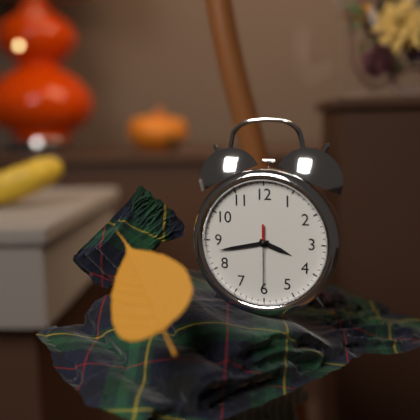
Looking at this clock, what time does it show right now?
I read 3:43:30
